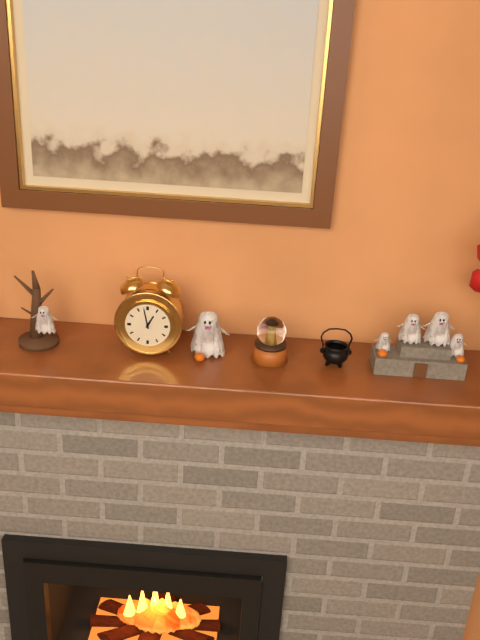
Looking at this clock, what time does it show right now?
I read 12:58
